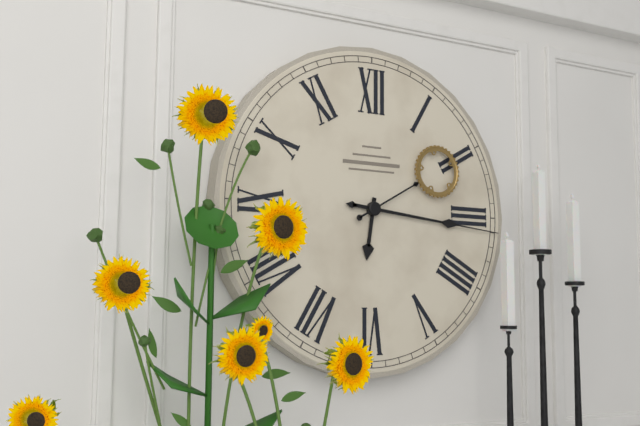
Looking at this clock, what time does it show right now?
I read 6:16:10
